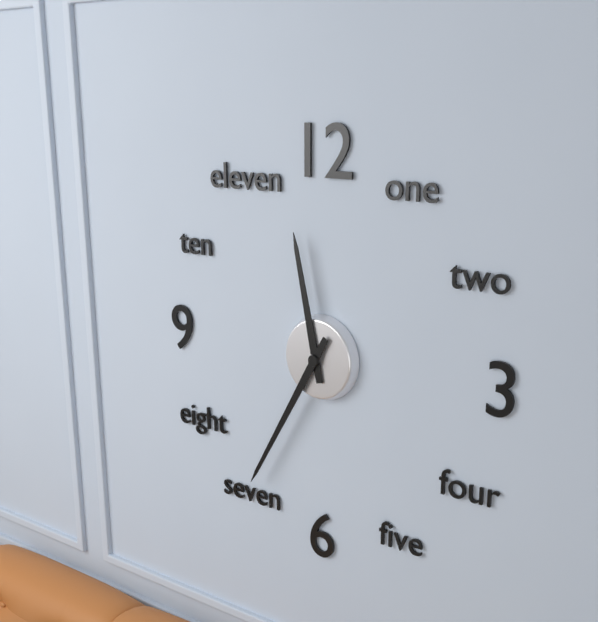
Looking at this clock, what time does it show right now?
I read 11:35
